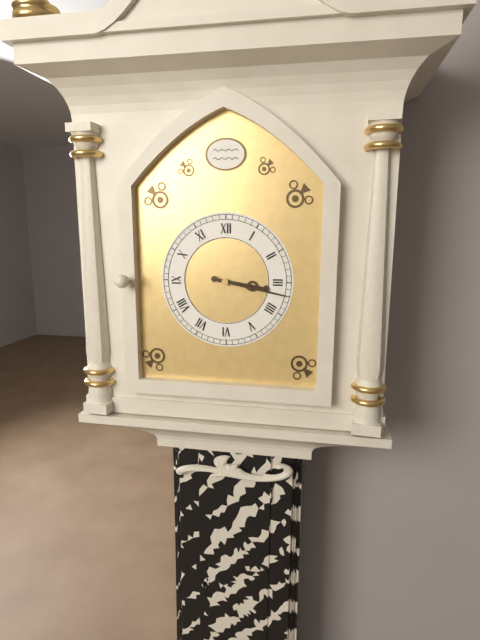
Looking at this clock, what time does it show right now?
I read 3:17
